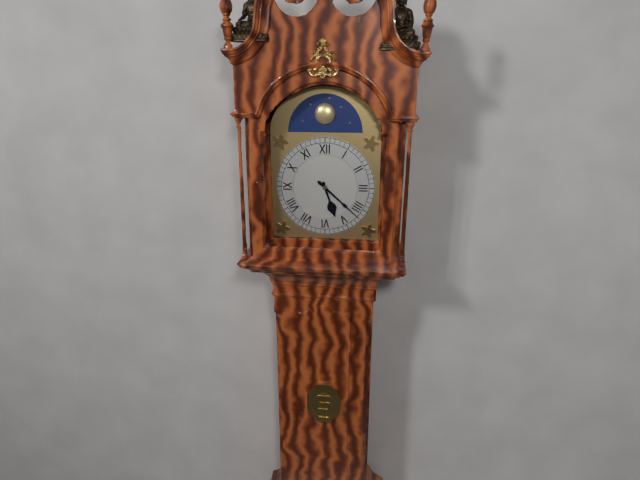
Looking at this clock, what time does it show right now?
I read 5:22
